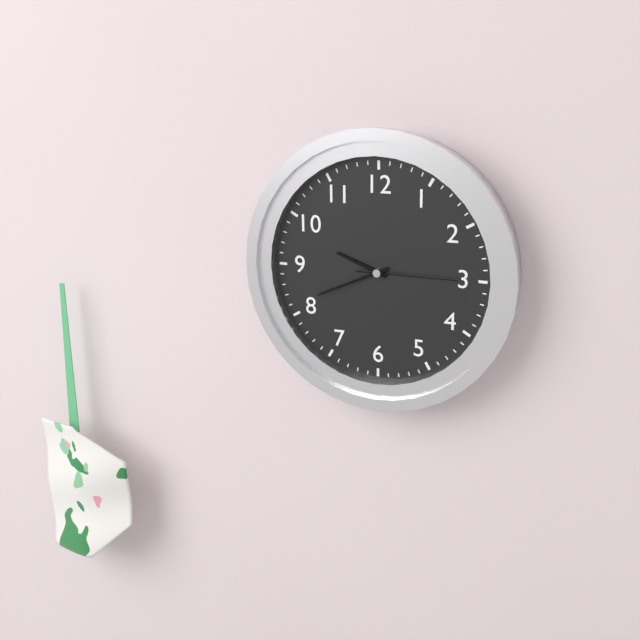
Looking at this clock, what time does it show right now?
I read 9:41:15
